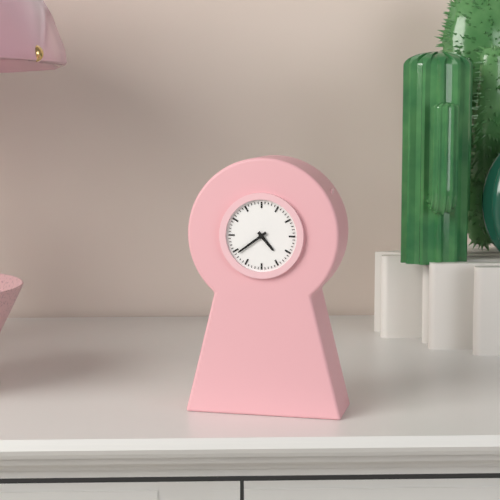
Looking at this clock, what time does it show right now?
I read 4:39
